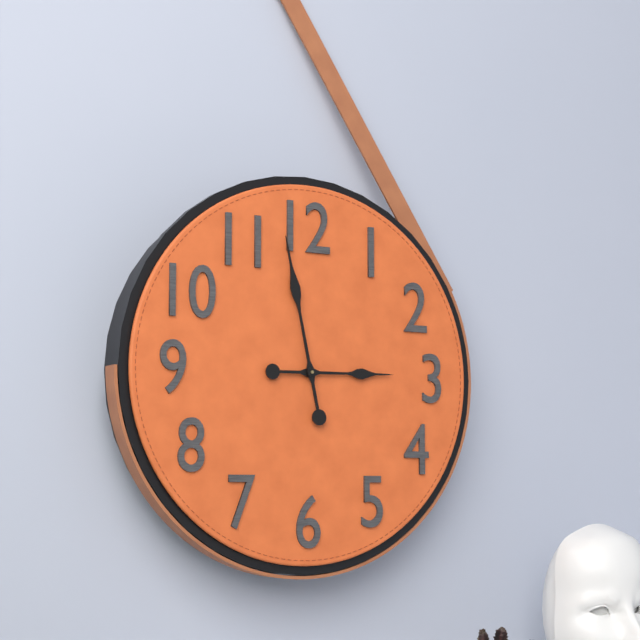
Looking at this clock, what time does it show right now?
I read 2:58
